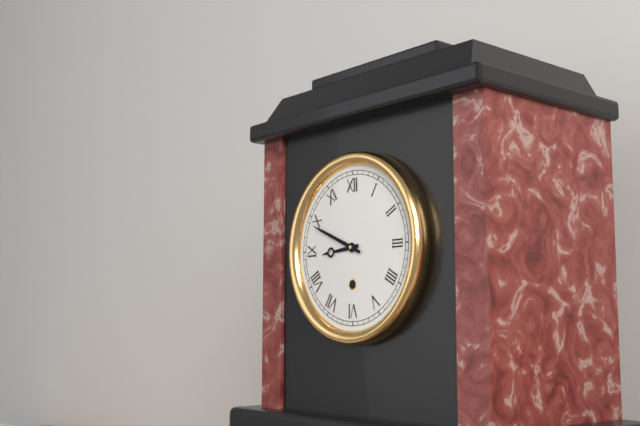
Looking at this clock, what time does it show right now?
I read 8:49
